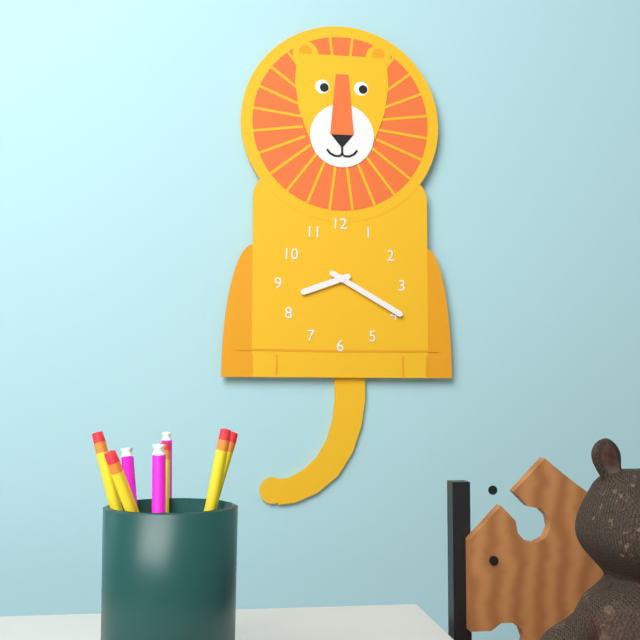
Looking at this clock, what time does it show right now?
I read 8:20
